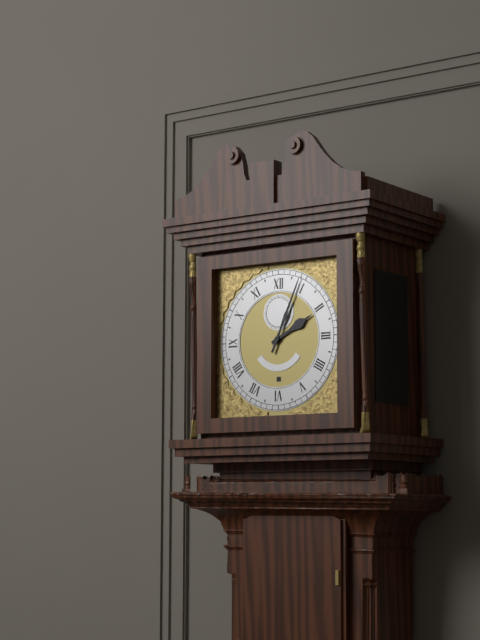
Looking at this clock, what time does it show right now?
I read 2:04
